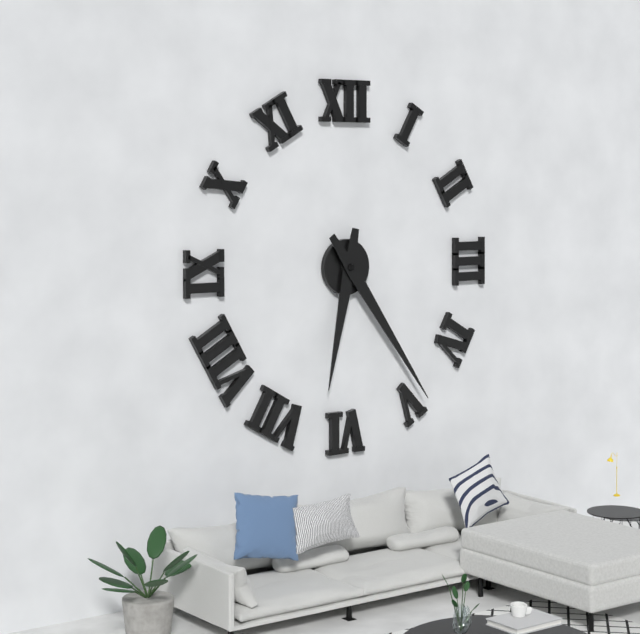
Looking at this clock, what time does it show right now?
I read 6:24
